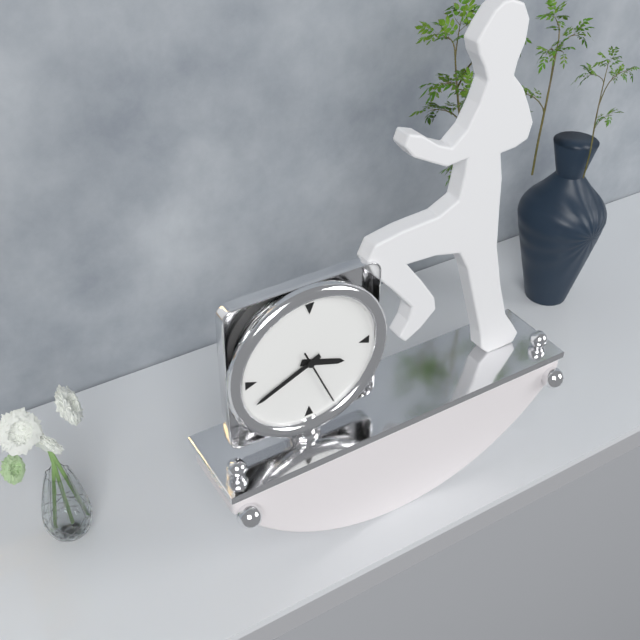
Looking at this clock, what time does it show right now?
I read 3:41:26
